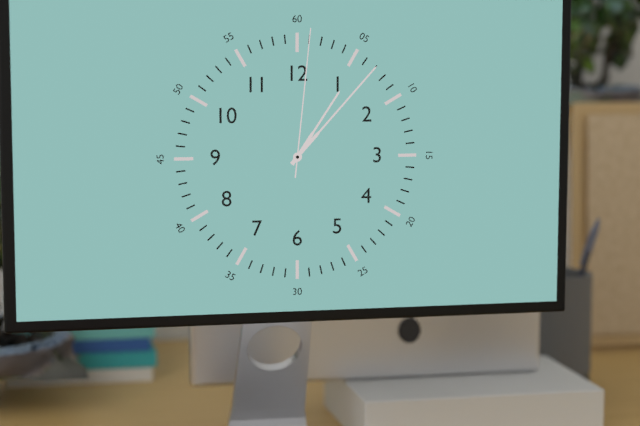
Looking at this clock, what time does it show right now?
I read 1:07:01
